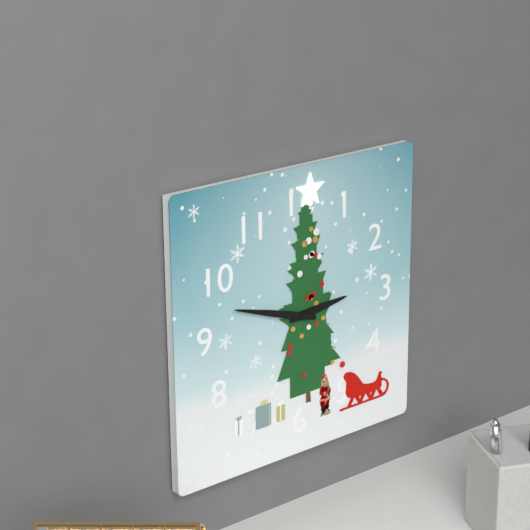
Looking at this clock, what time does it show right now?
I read 2:48
